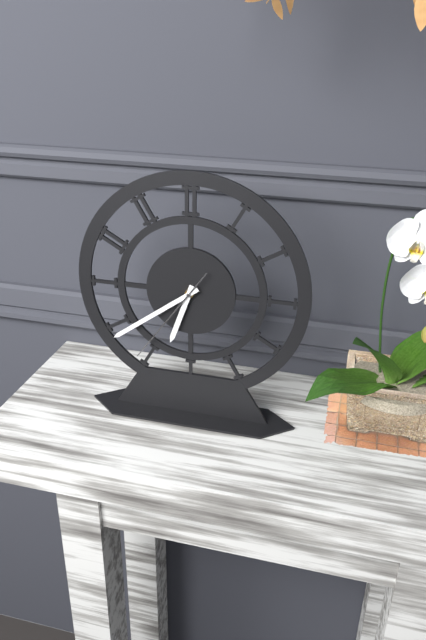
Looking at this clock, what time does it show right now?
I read 6:39:36
